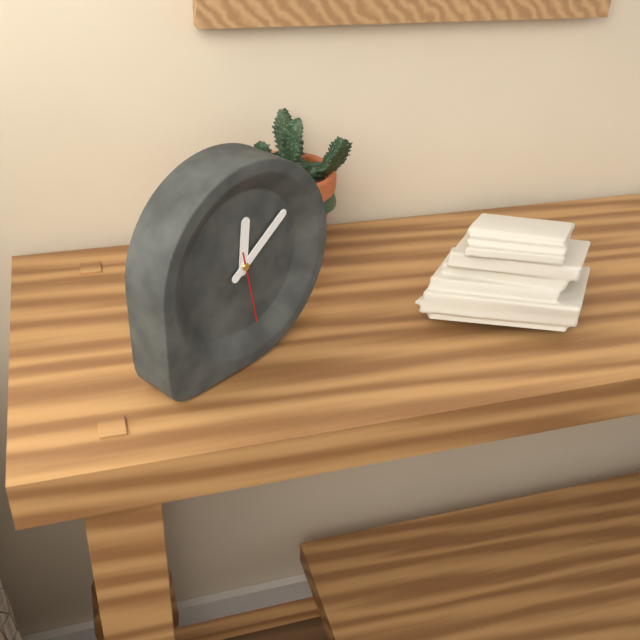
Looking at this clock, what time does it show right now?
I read 12:09:28
